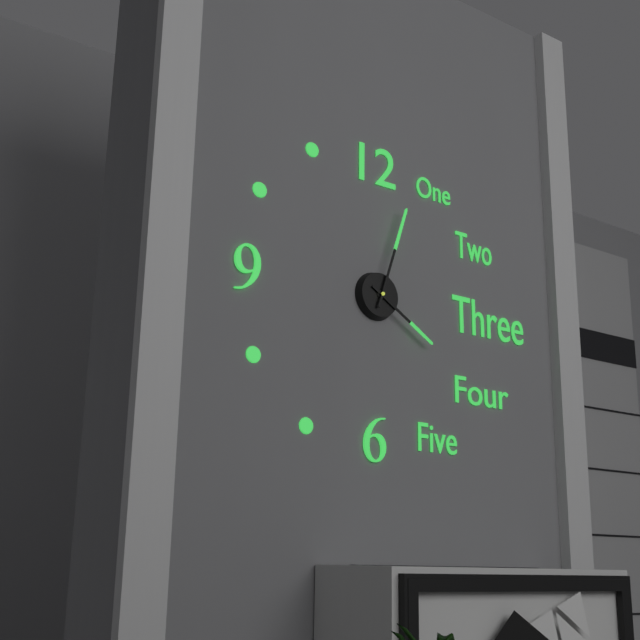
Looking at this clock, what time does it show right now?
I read 4:03
